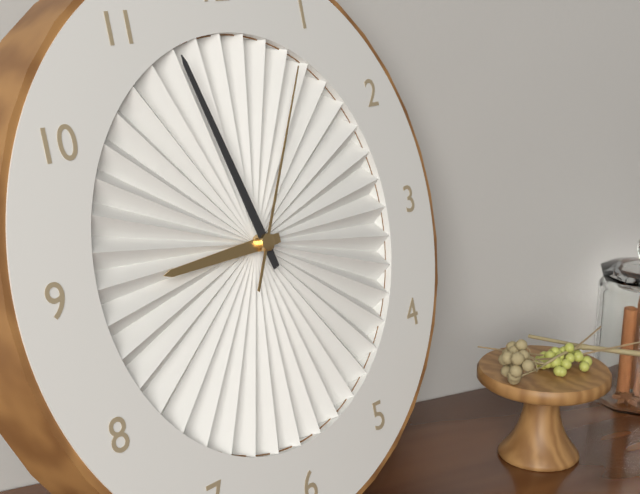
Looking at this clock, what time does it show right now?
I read 8:57:05
